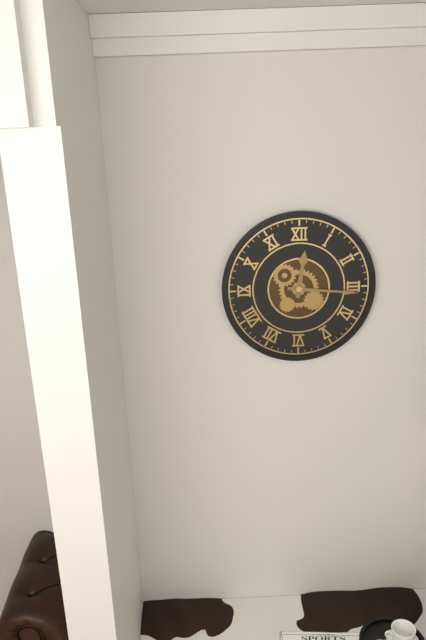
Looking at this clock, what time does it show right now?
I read 12:16
